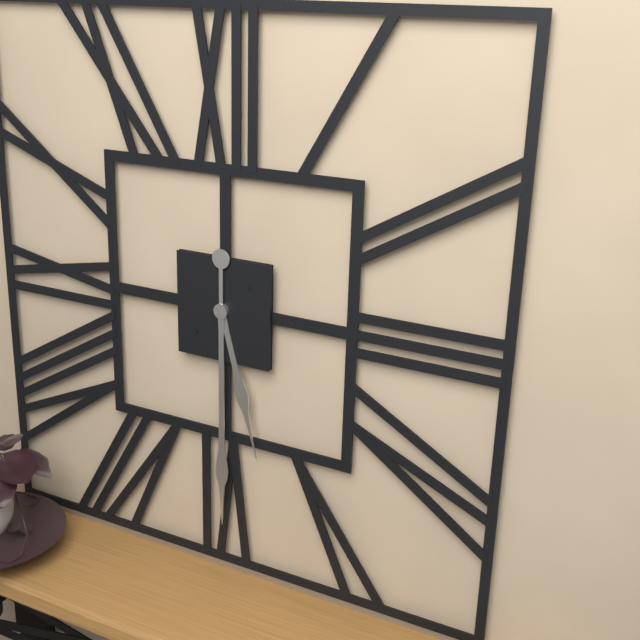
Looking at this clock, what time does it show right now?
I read 5:30
